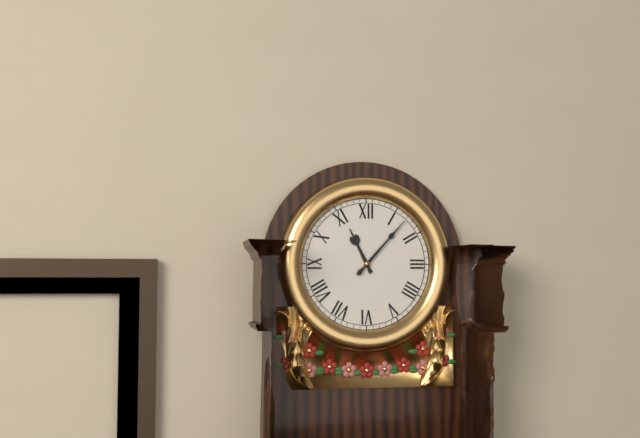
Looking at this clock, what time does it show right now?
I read 11:07
